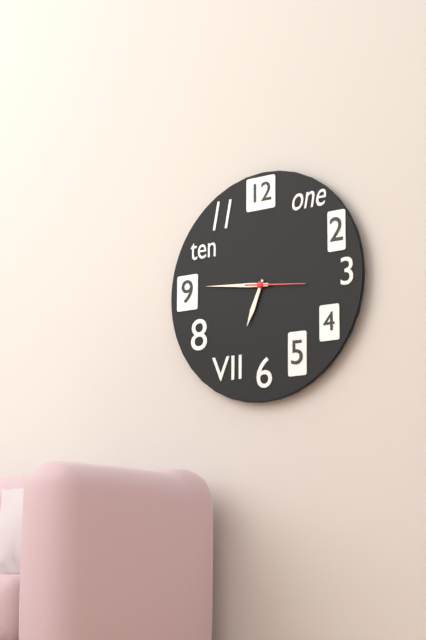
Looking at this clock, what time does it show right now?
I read 6:46:16
